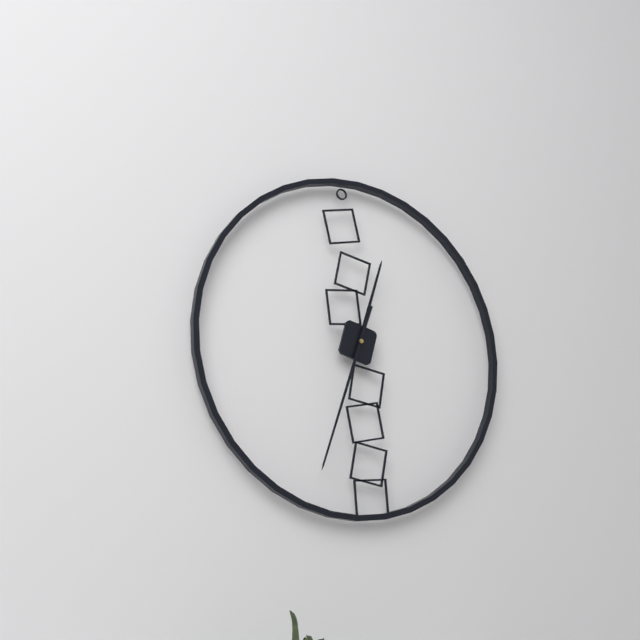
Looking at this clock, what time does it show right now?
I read 12:33
